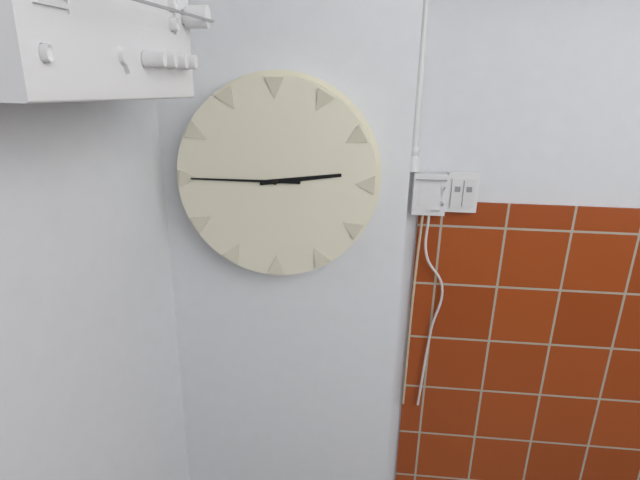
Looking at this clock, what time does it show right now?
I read 2:45
